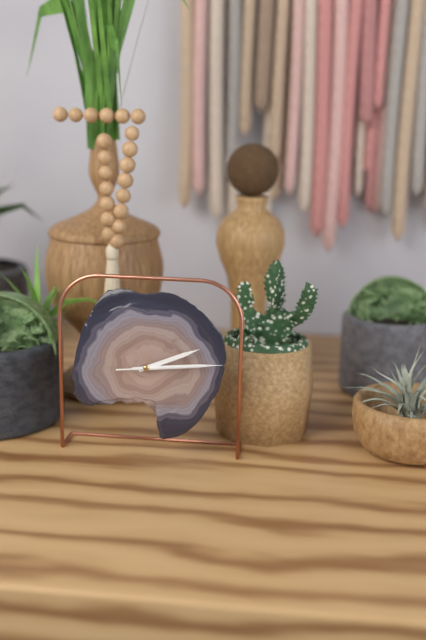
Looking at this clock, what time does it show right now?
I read 2:14:14
